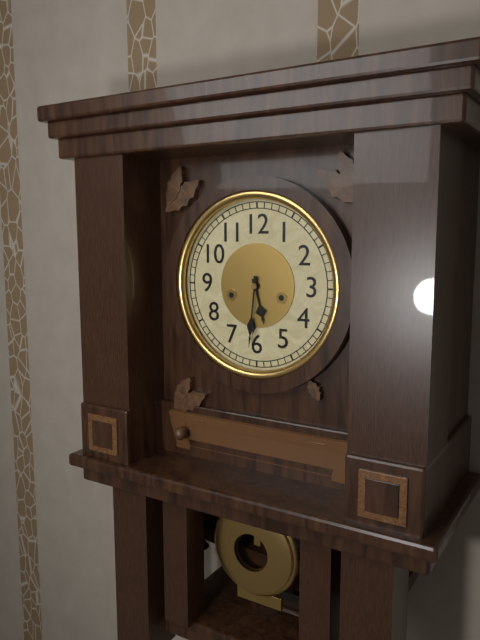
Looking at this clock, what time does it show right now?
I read 5:31
